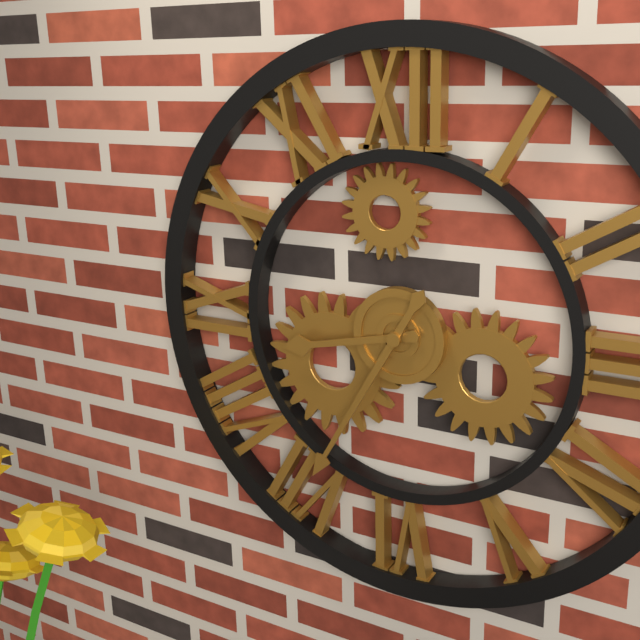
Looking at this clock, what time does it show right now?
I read 8:35
